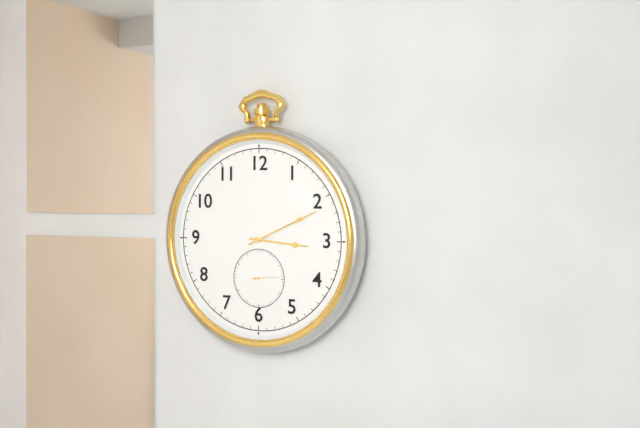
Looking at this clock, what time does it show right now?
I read 3:11
